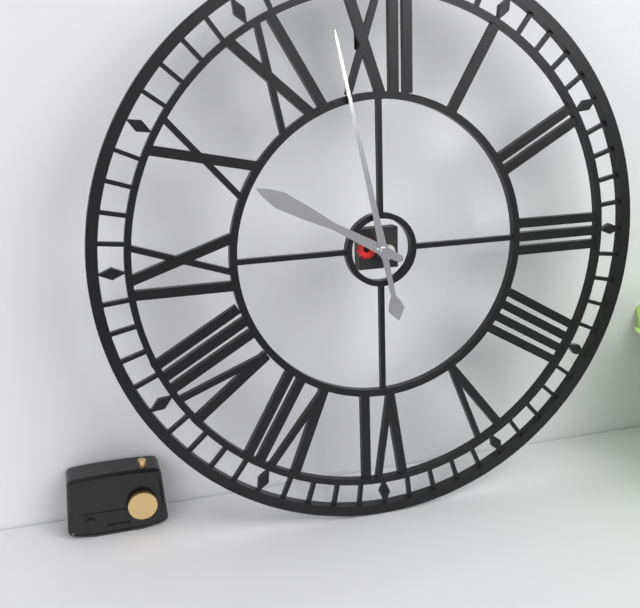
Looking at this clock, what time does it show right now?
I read 9:58
